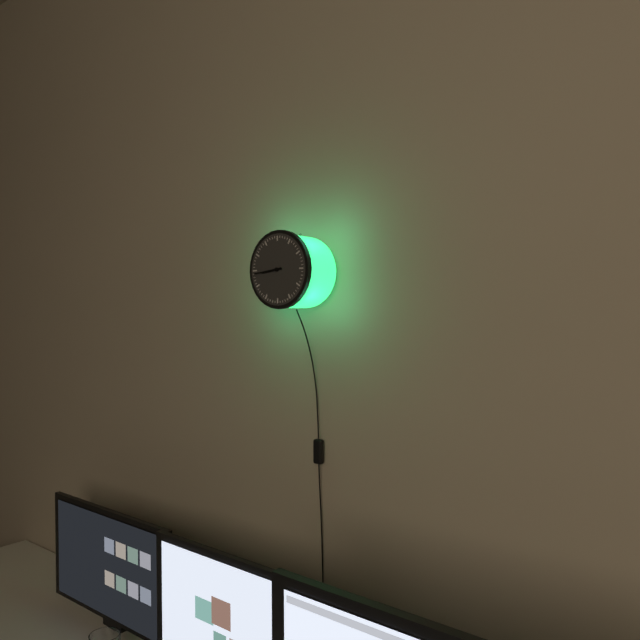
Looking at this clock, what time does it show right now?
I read 8:44
